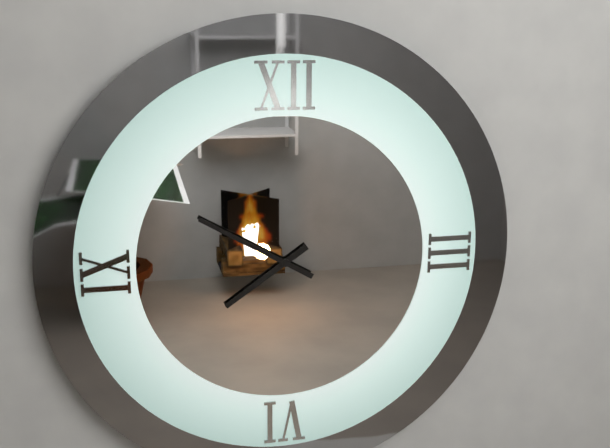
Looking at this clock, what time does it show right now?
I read 7:50
